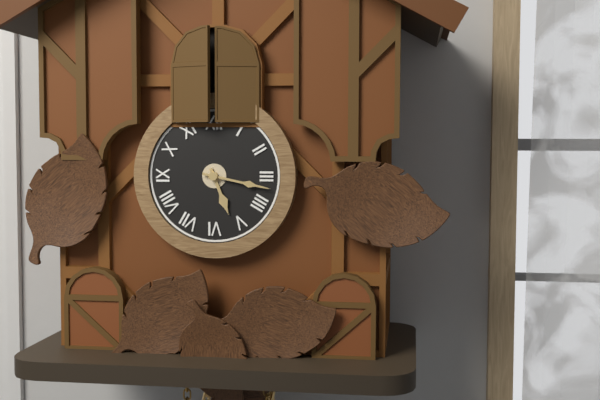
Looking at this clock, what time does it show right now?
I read 5:17
